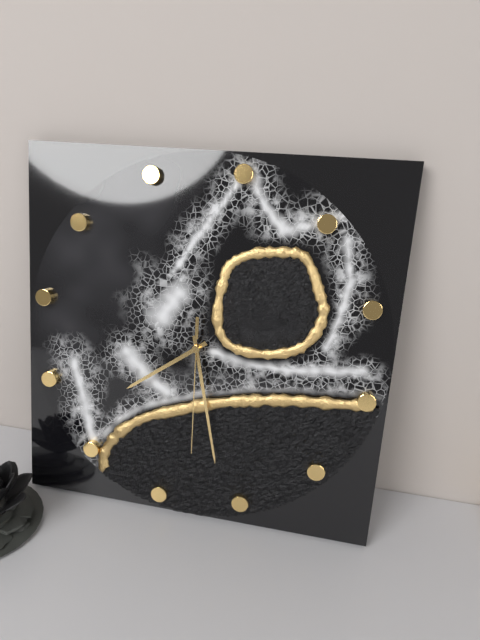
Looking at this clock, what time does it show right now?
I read 7:26:28
